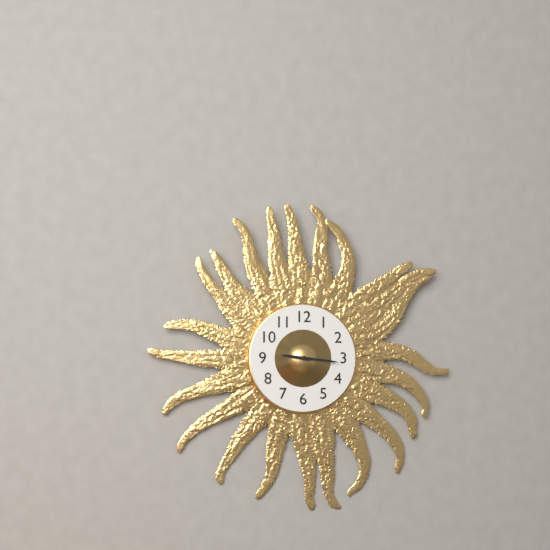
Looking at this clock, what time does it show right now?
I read 9:16
